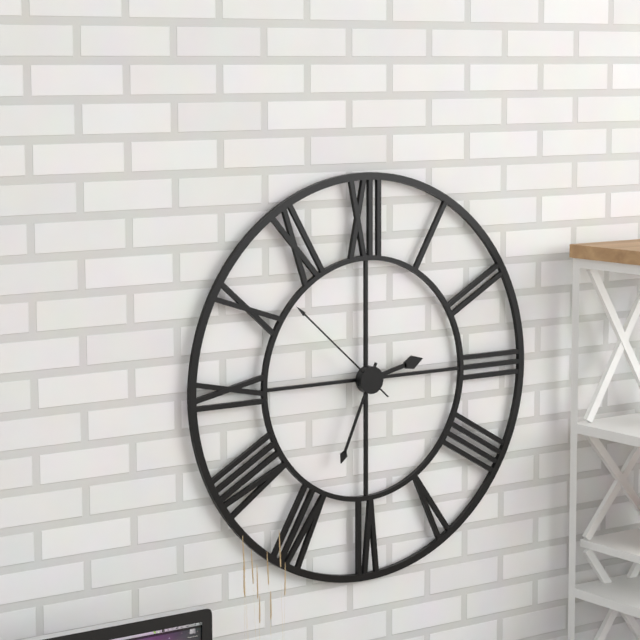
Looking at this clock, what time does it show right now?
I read 2:34:52
